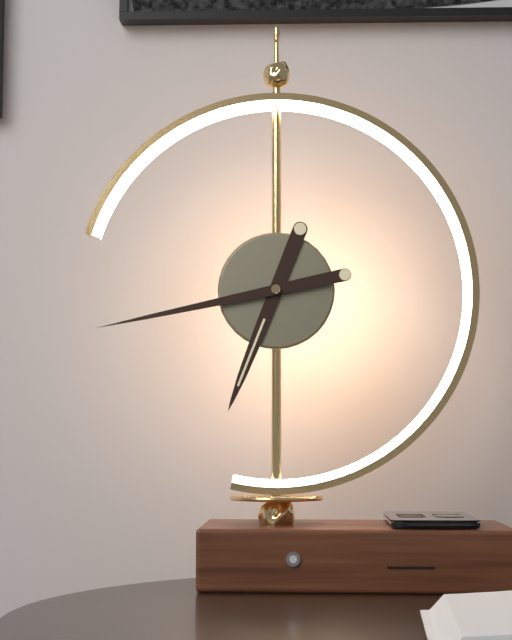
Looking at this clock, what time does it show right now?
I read 6:43
